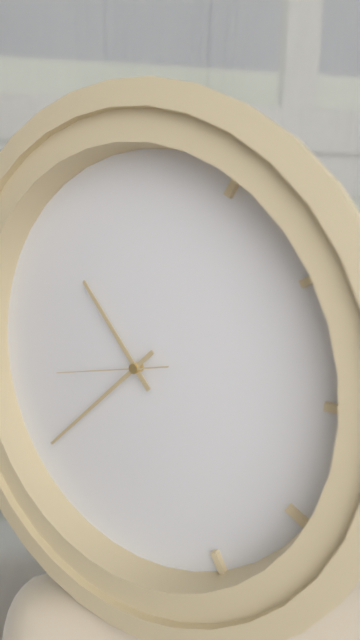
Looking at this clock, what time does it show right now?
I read 10:38:43
